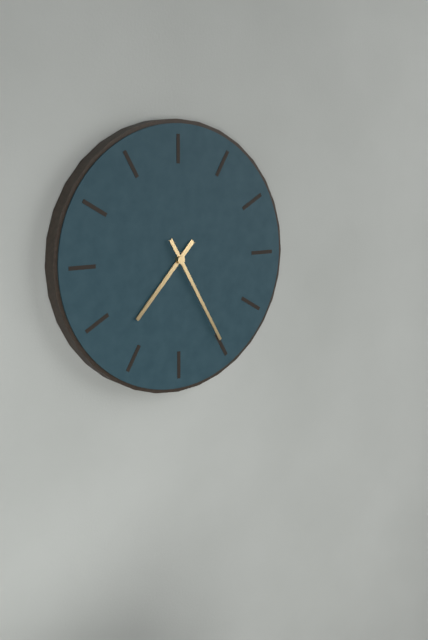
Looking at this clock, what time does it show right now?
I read 7:25
